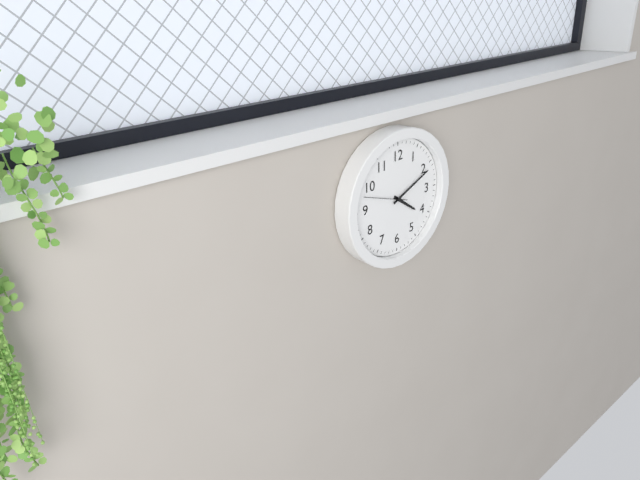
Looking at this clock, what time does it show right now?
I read 4:11
